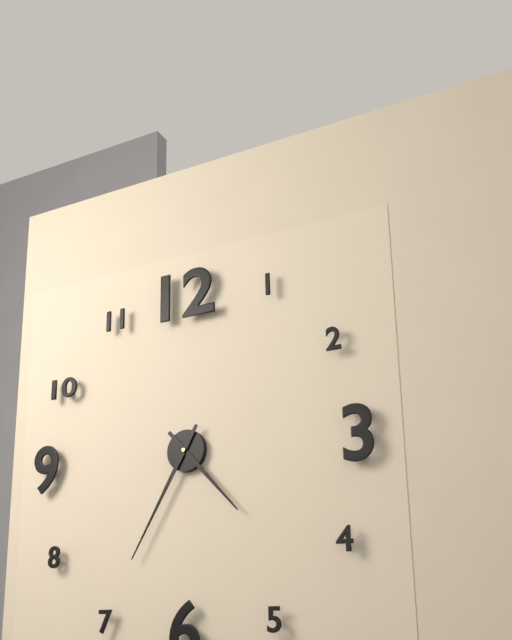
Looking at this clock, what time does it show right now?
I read 4:35
